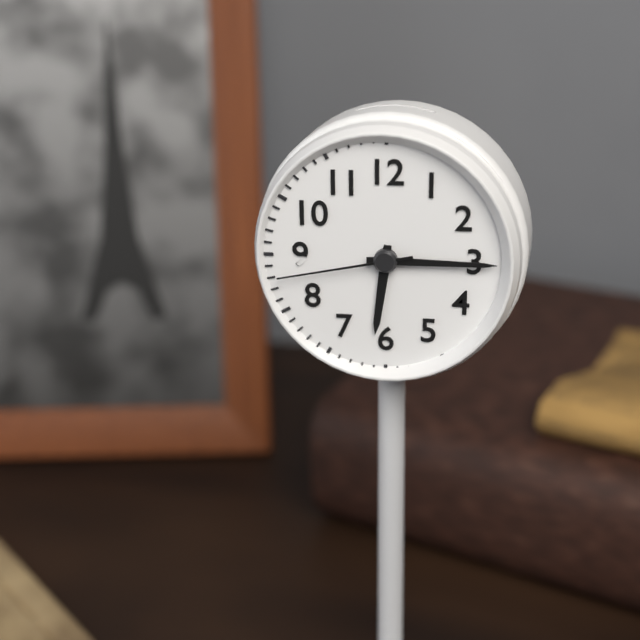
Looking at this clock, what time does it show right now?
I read 6:15:43
